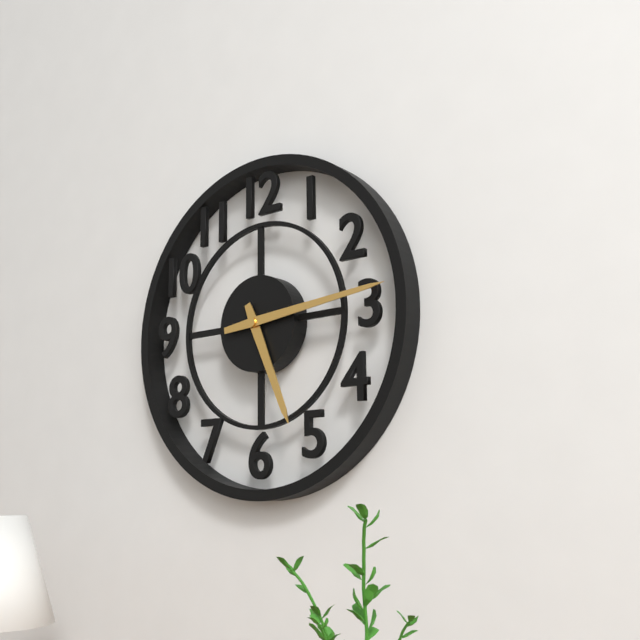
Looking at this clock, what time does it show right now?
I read 5:14
